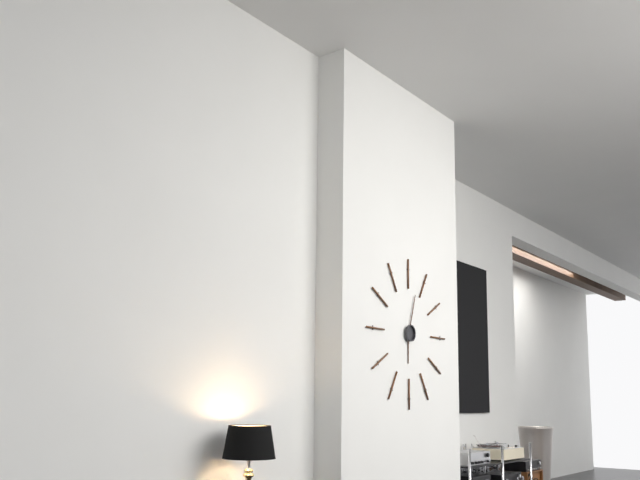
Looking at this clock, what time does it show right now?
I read 6:03
